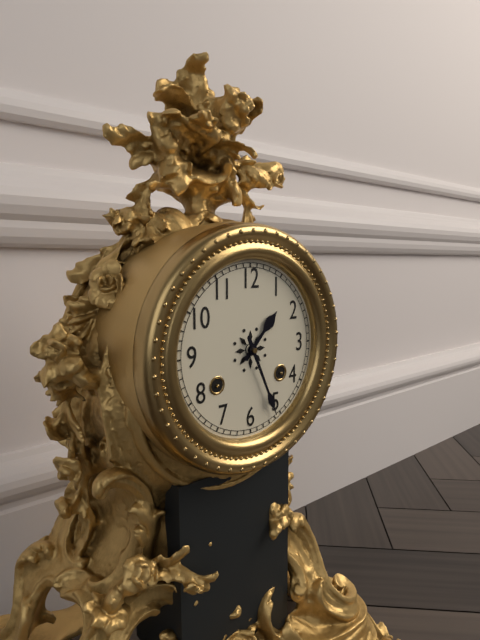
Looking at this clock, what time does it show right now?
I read 1:26
